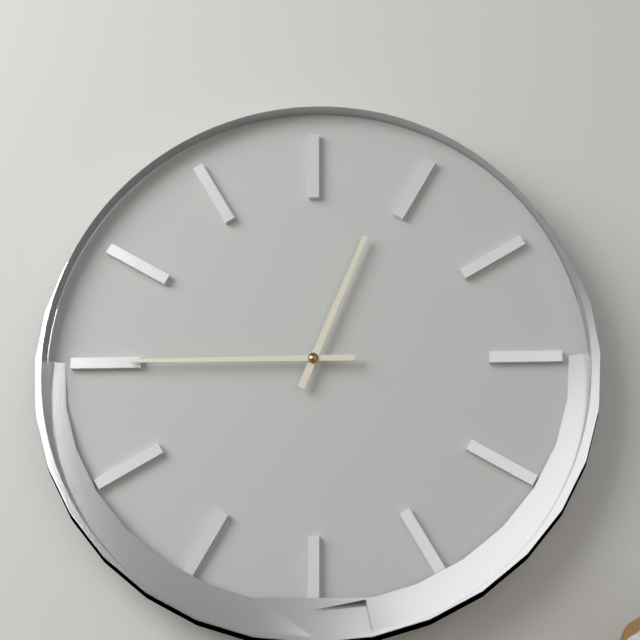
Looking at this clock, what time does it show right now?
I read 12:45
